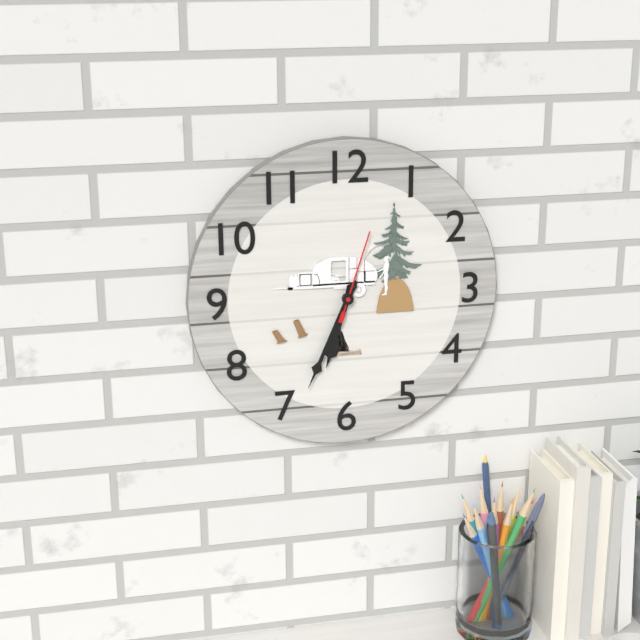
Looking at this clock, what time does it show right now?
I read 6:34:03
